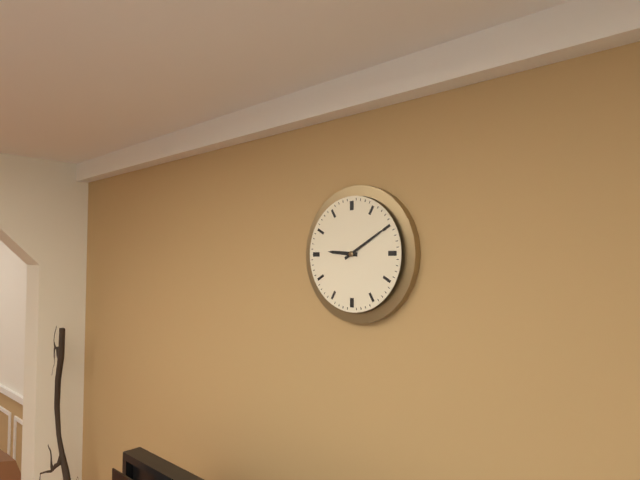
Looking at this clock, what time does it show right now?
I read 9:10
